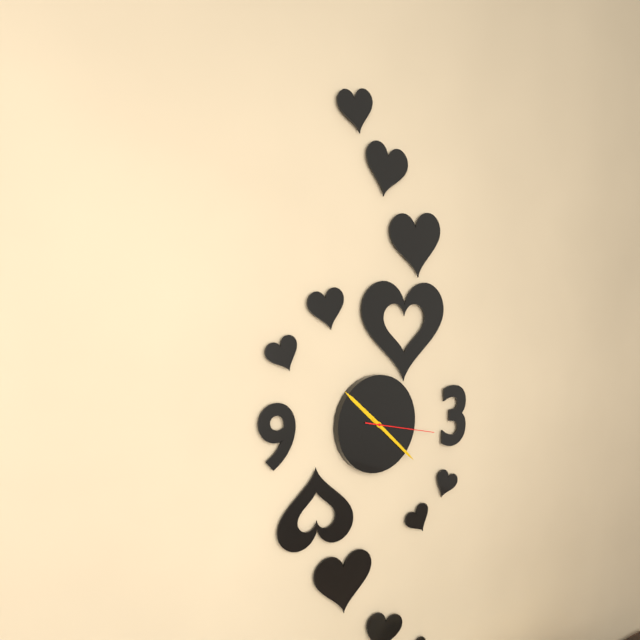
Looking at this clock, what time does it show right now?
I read 10:22:17
